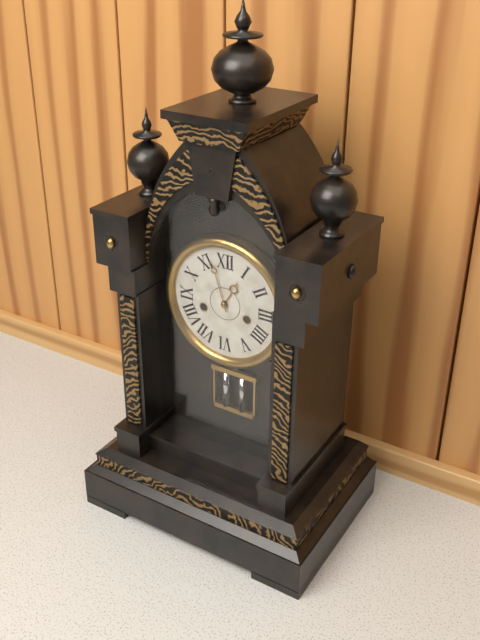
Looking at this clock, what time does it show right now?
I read 12:57
